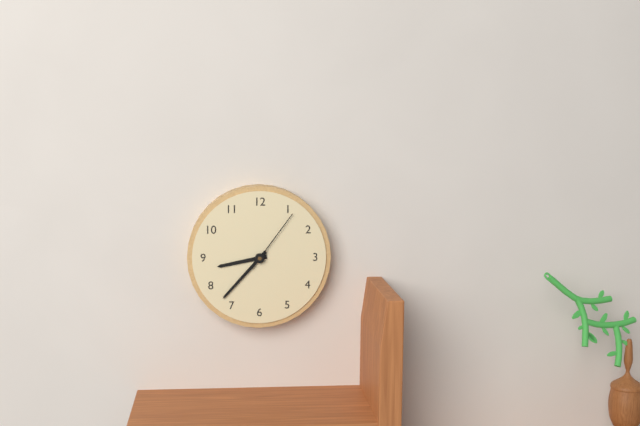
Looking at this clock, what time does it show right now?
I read 8:37:06
